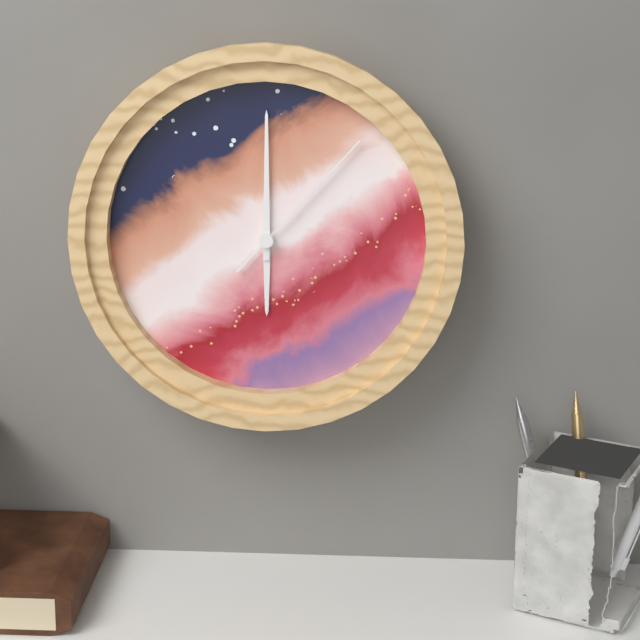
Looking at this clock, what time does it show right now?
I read 6:00:07
